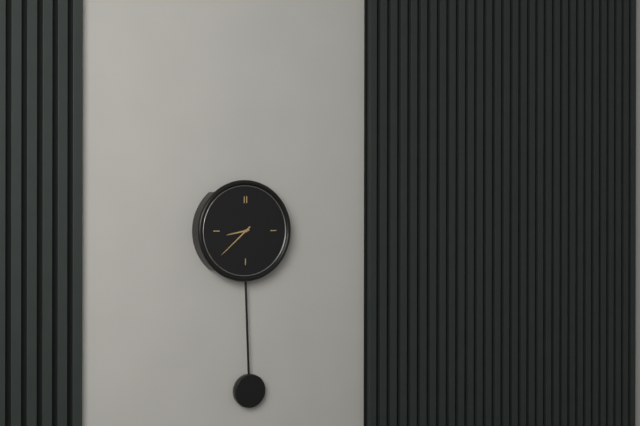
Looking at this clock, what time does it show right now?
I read 8:38
